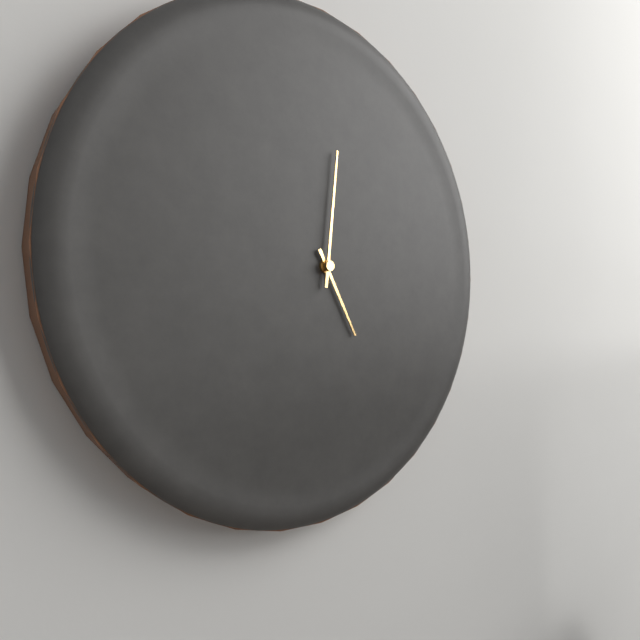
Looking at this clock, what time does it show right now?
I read 5:01
